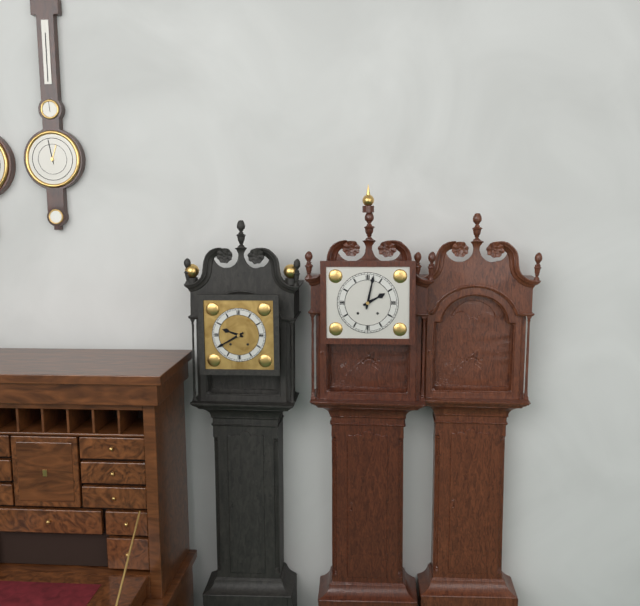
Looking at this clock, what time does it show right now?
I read 2:02
